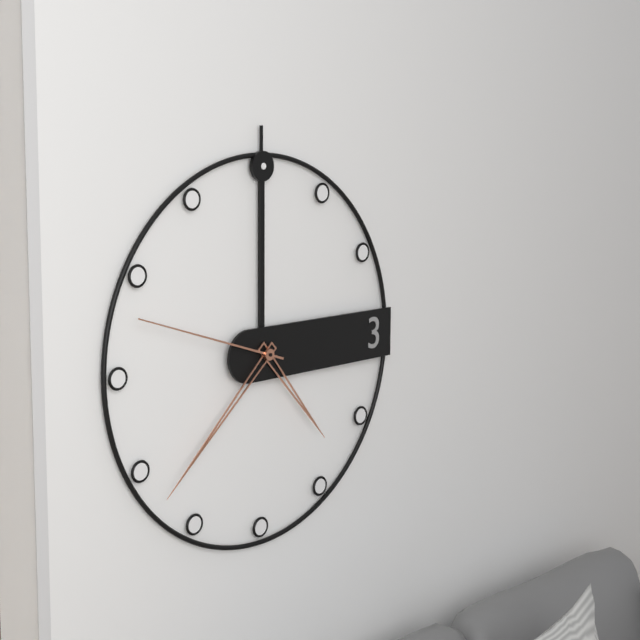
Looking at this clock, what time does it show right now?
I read 4:38:48
